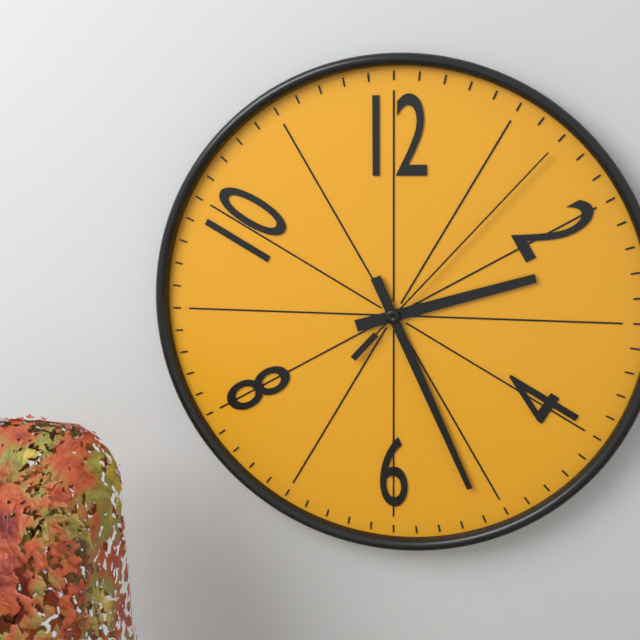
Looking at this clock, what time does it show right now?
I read 2:26:07
